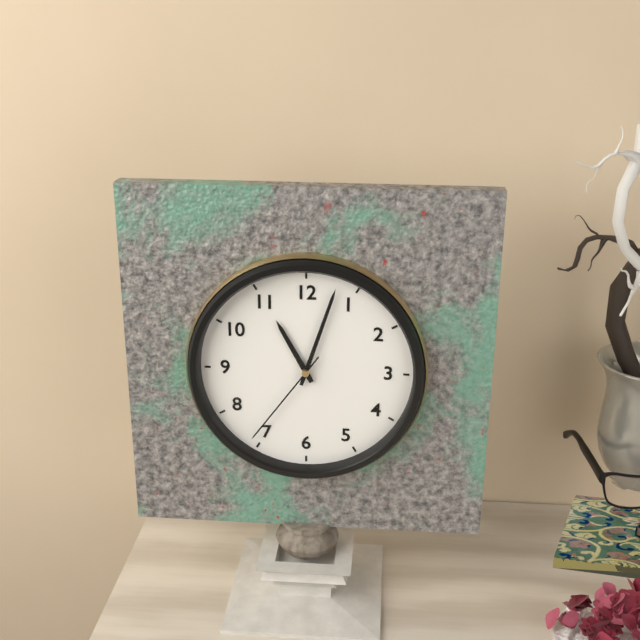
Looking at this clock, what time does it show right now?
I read 11:03:36
